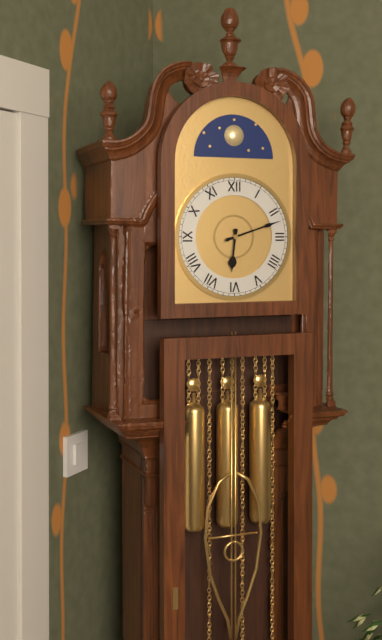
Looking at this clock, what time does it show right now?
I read 6:12
